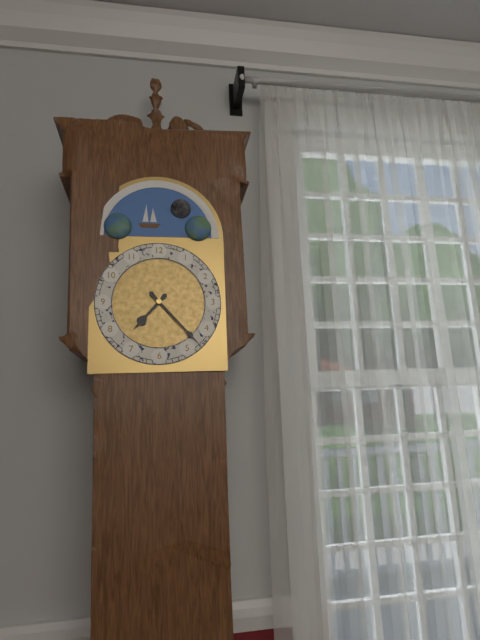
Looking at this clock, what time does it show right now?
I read 7:23
